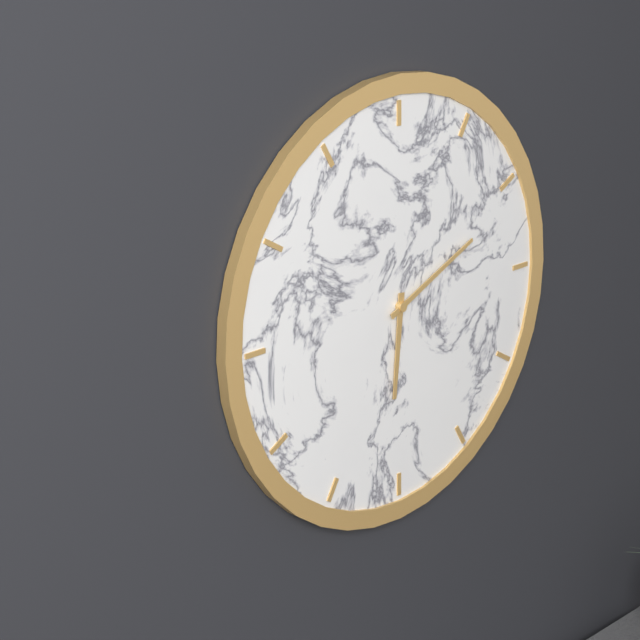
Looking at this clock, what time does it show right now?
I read 6:11
